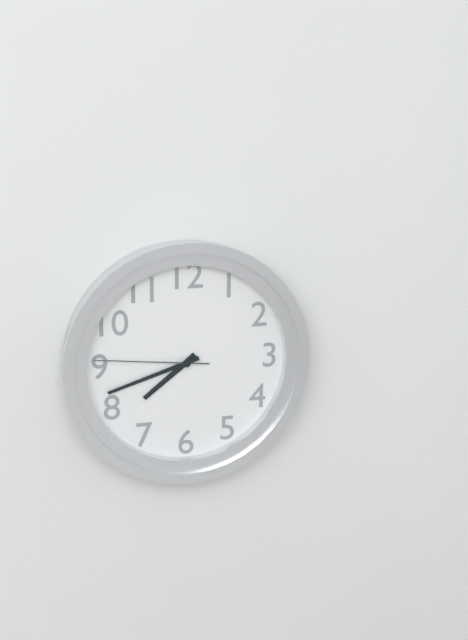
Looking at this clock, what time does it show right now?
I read 7:42:46
